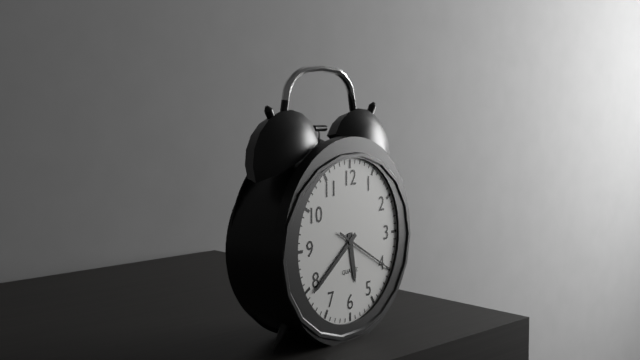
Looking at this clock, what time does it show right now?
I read 5:39:20
